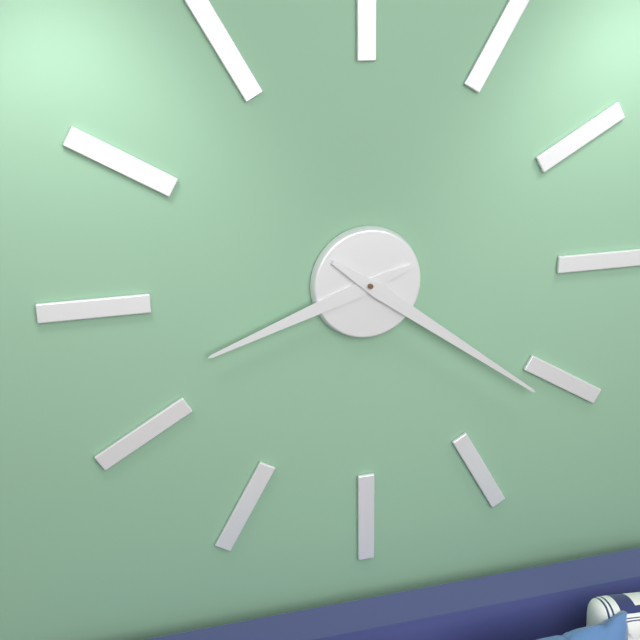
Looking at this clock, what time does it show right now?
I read 8:21
